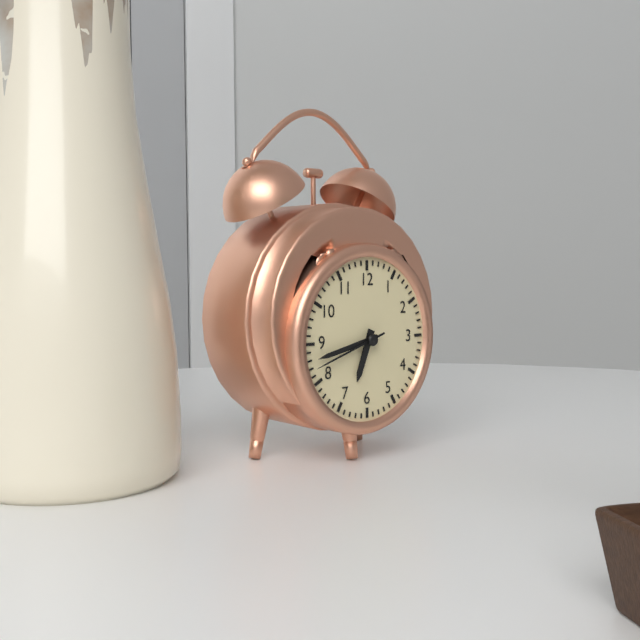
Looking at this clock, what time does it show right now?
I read 6:43:42
